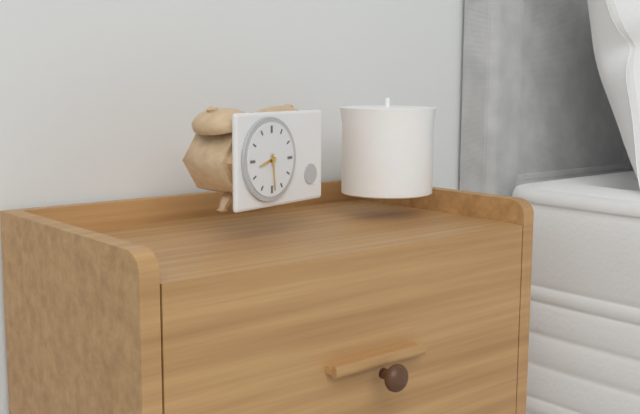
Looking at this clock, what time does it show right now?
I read 8:29
